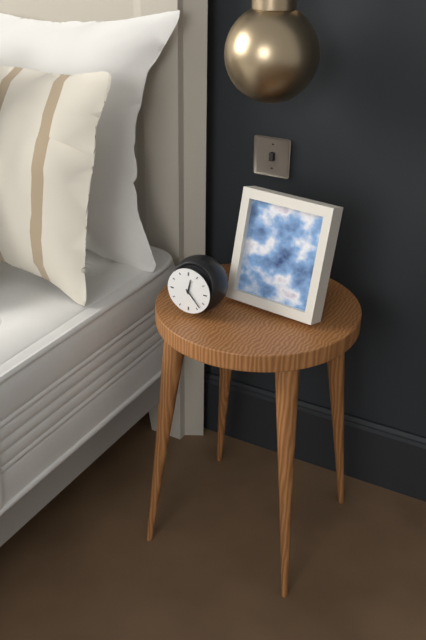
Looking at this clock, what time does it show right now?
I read 12:23
